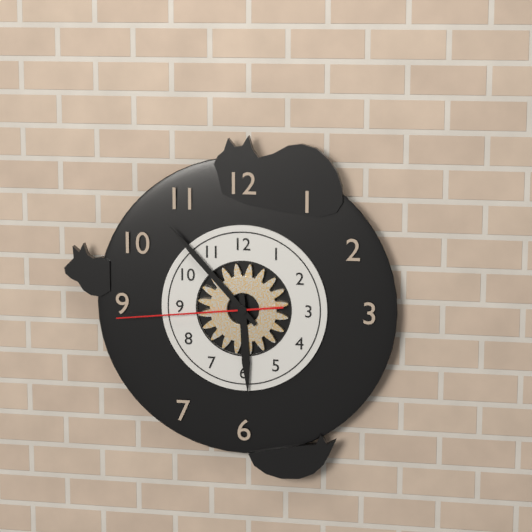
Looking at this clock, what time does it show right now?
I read 5:53:44
